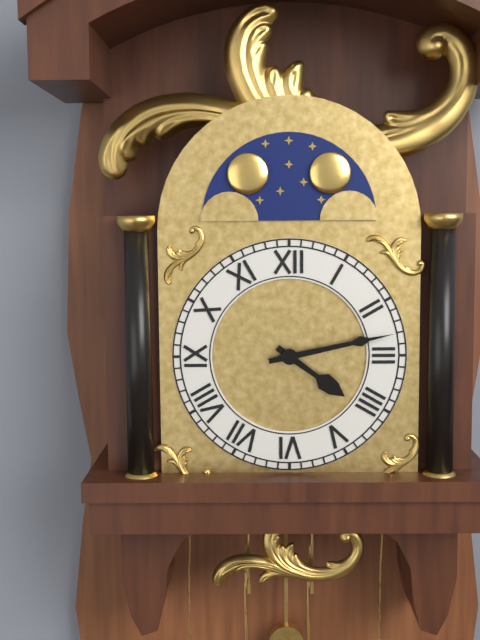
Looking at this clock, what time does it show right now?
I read 4:13
